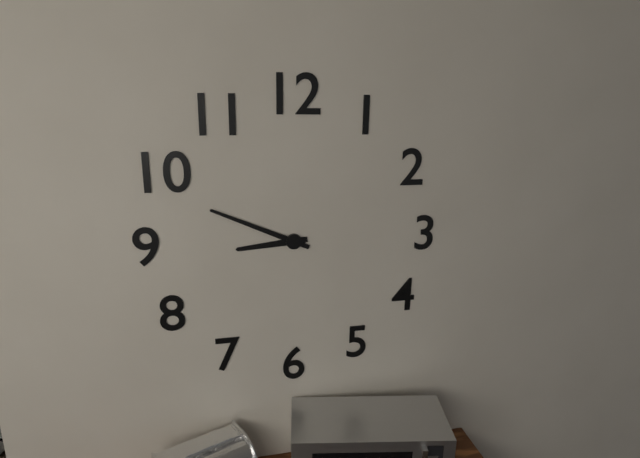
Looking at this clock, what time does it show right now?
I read 8:49
